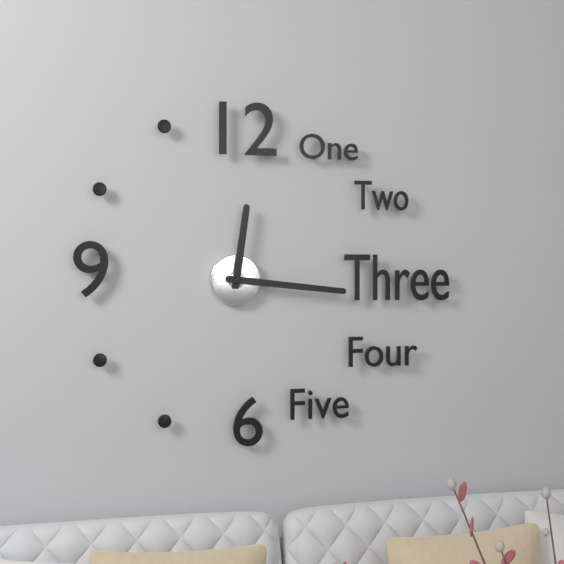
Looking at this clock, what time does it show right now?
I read 12:16
